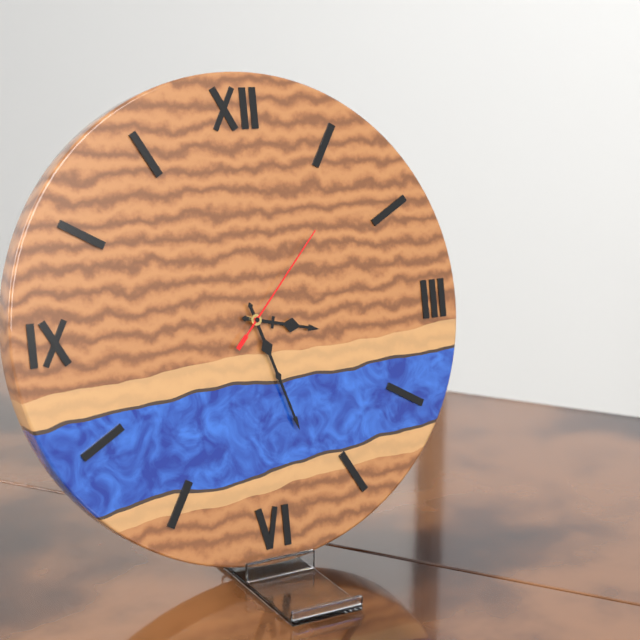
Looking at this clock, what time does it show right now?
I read 3:27:07
